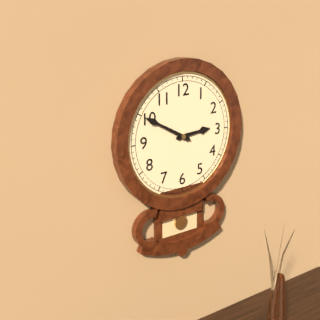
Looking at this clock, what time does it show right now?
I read 2:50
